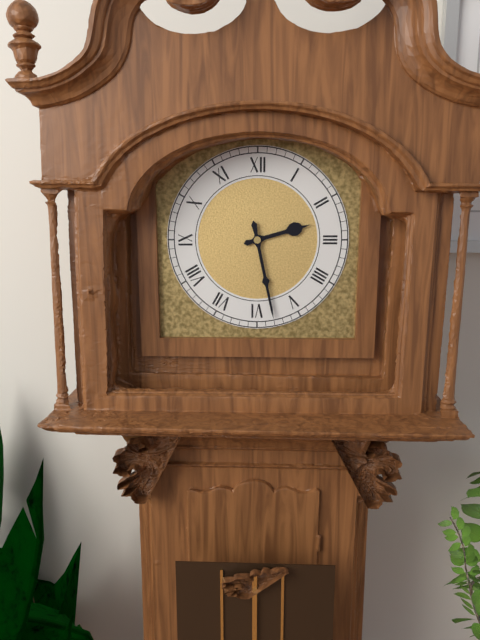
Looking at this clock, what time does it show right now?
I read 2:28
